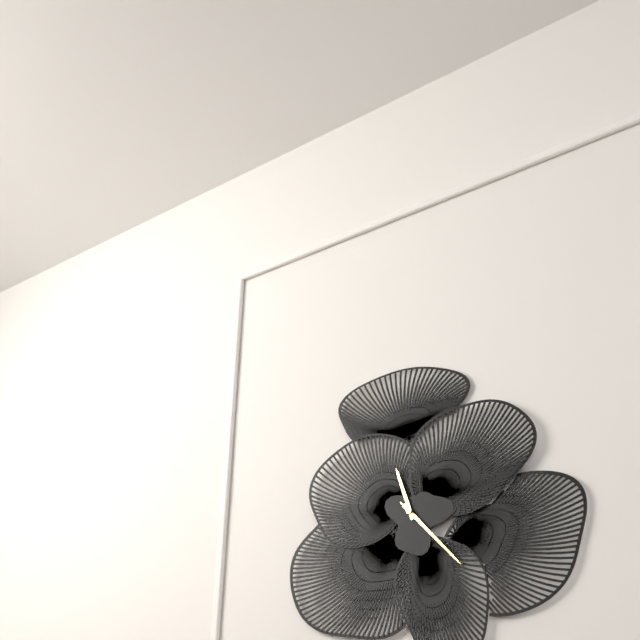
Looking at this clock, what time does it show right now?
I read 11:23:23
